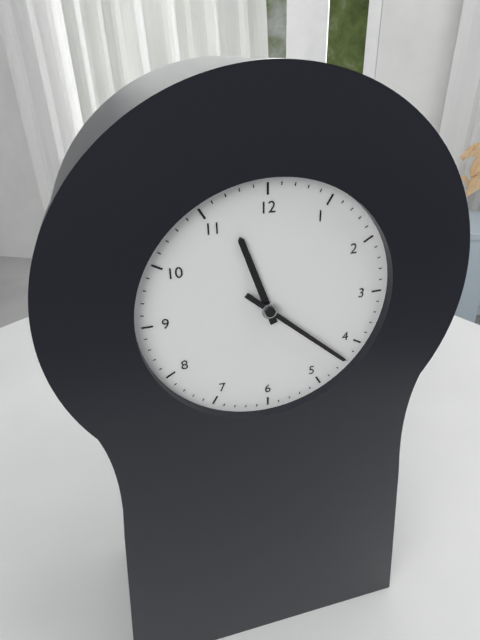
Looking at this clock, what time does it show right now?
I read 11:22
